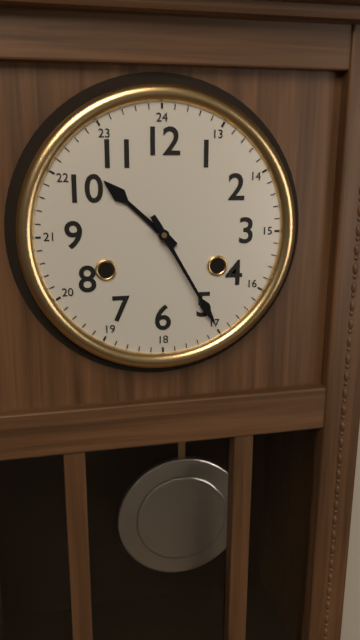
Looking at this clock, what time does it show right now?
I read 10:25
